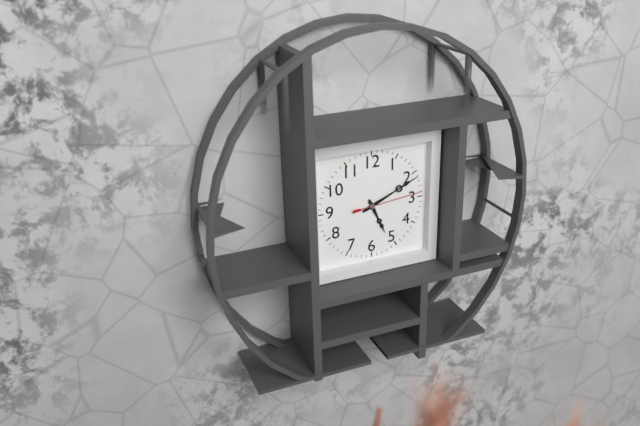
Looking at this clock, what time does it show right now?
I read 5:11:14
